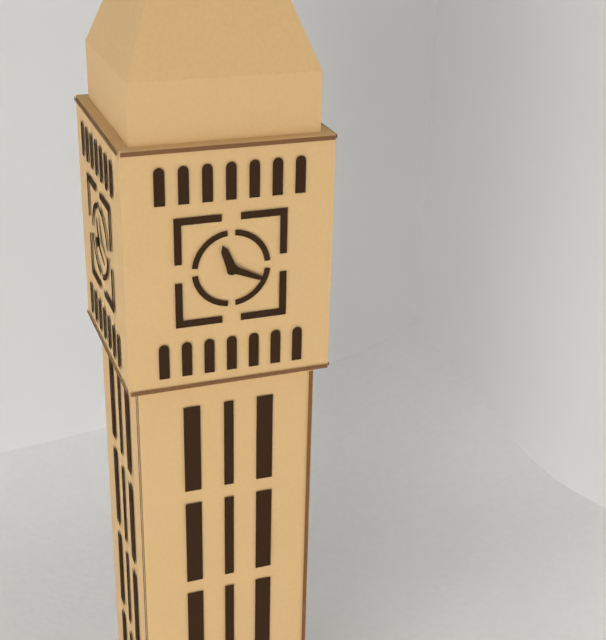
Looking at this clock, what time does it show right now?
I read 11:19
